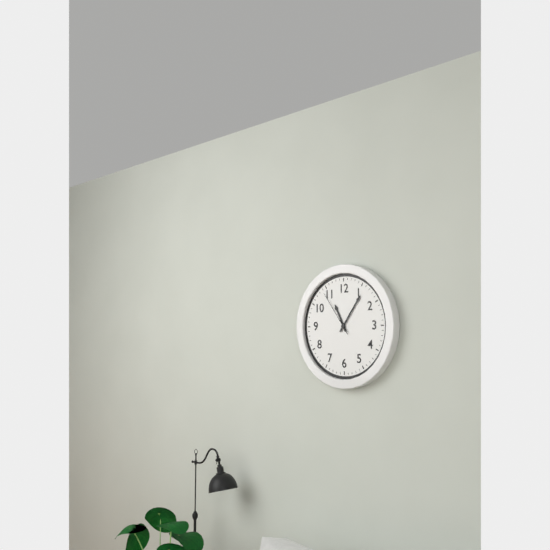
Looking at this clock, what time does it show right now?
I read 11:06
